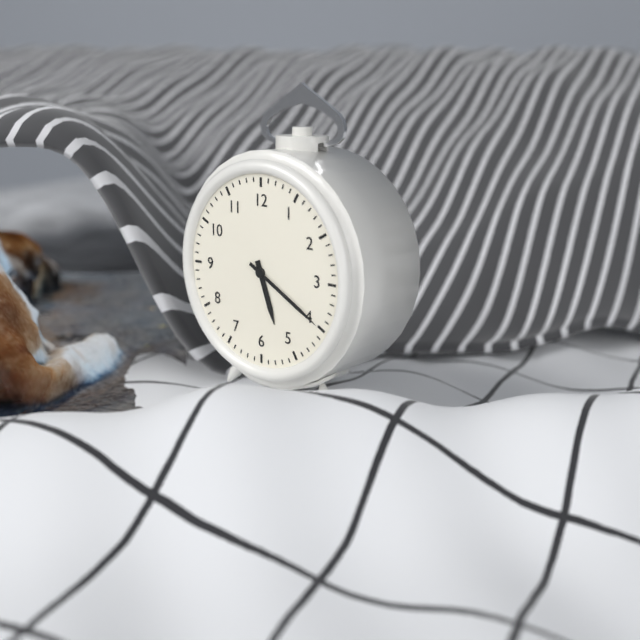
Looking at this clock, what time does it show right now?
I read 5:20
